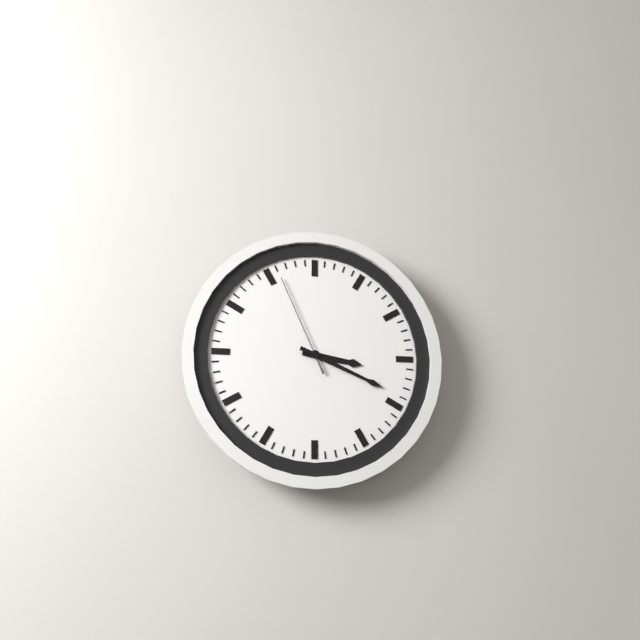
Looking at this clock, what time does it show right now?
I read 3:19:56
